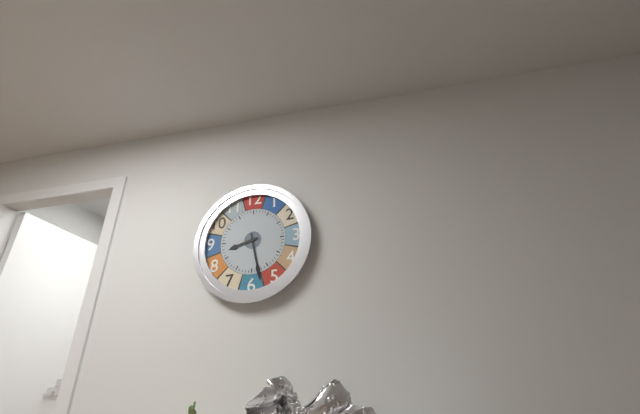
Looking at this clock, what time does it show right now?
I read 8:28
